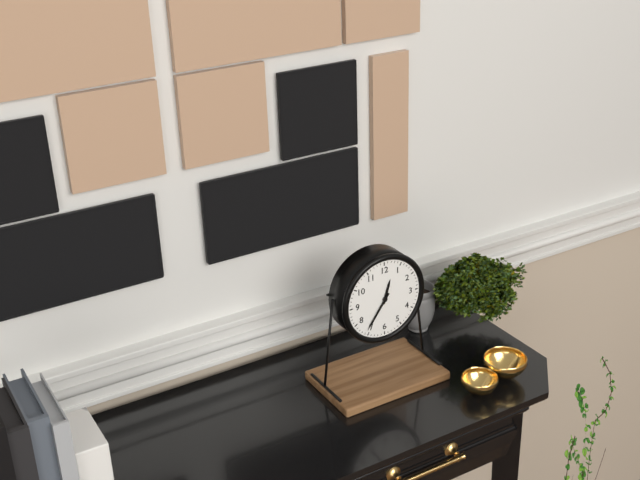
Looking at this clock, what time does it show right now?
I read 12:36
